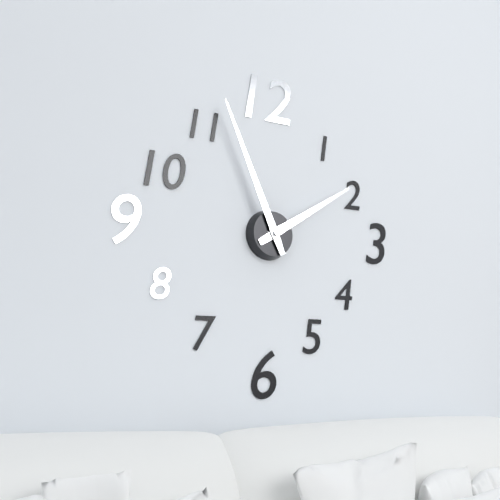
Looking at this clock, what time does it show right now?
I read 1:56
